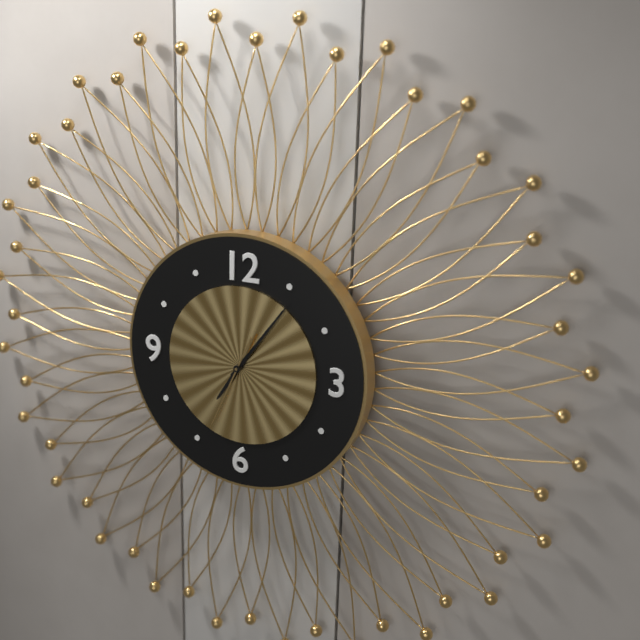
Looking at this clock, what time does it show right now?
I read 7:06:34
